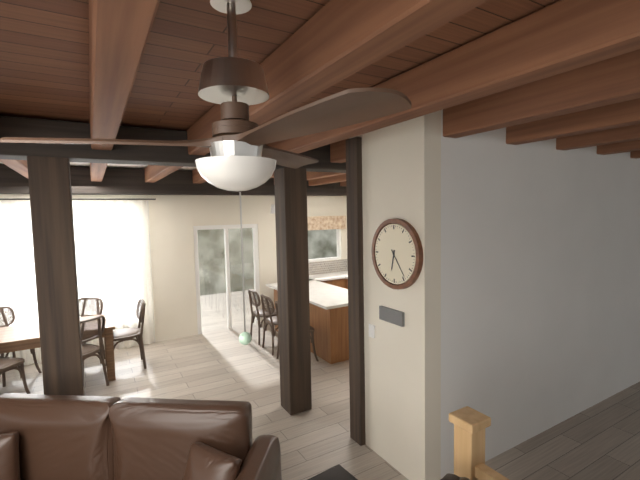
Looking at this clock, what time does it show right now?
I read 6:24
